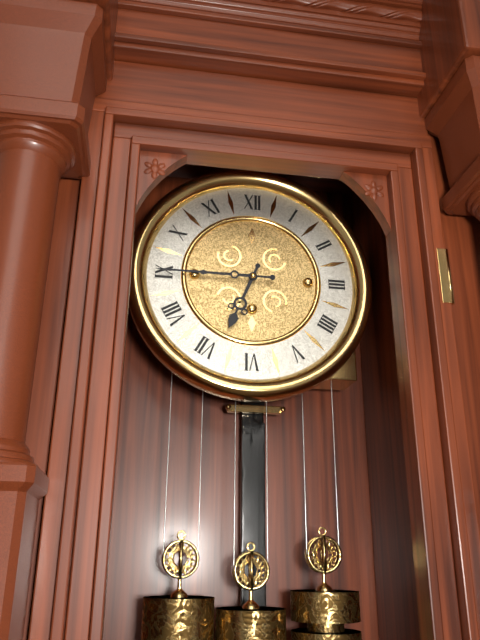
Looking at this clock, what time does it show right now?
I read 6:45
